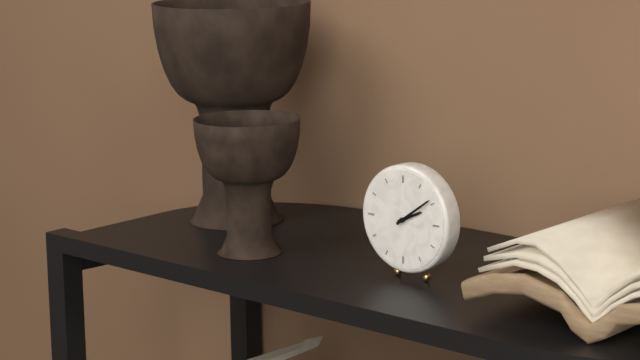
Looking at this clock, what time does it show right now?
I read 2:09
